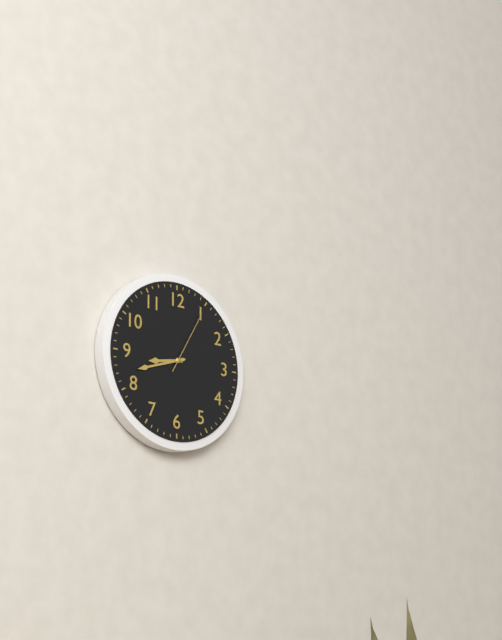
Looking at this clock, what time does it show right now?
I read 8:42:05
